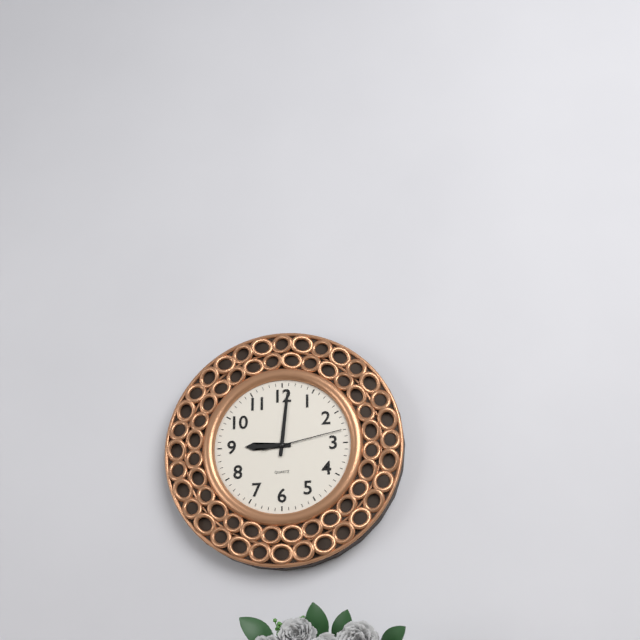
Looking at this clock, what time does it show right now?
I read 9:01:13
